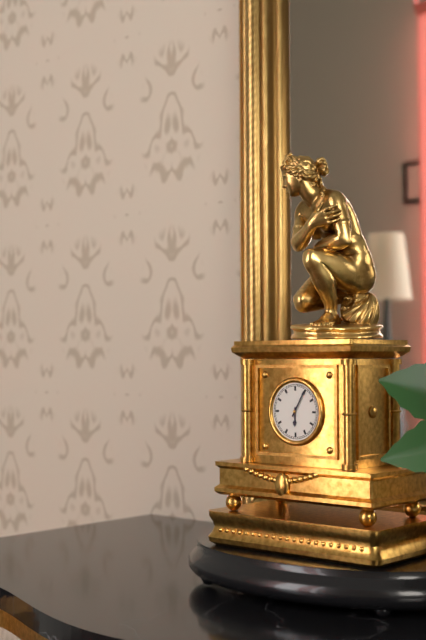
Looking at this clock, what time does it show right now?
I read 6:05
